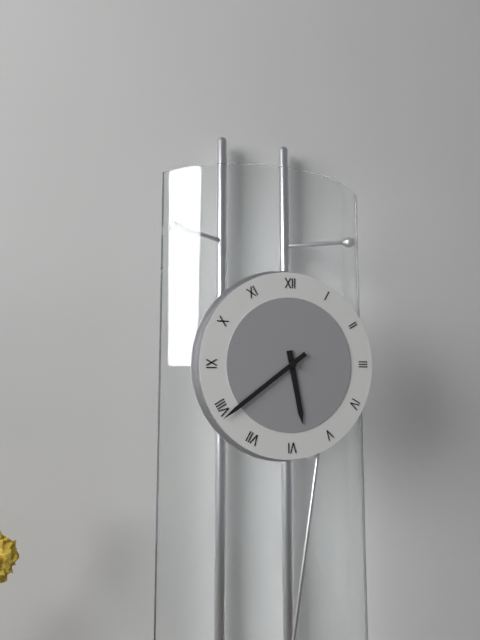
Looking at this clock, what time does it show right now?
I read 5:39
